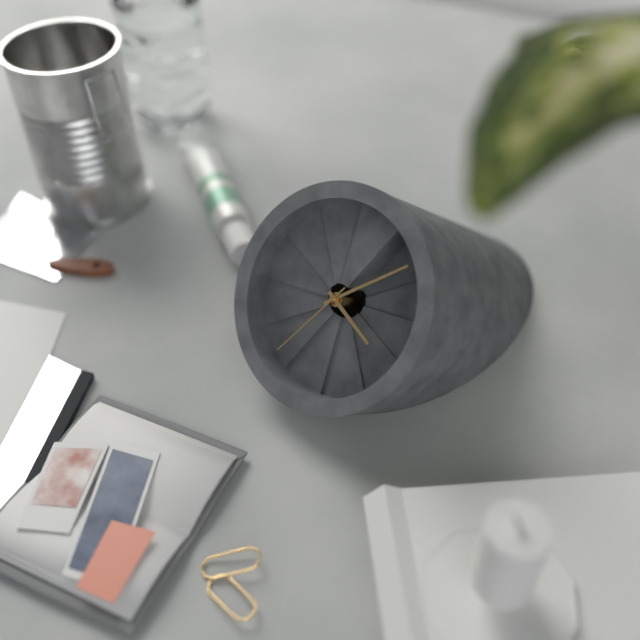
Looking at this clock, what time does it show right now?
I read 3:04:31
